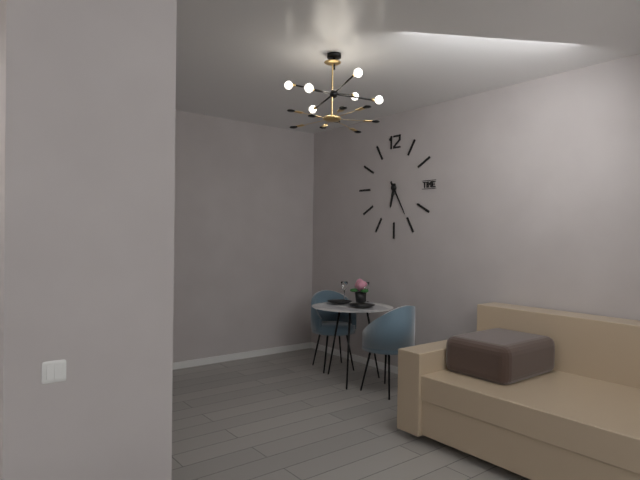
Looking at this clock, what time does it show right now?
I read 6:25
